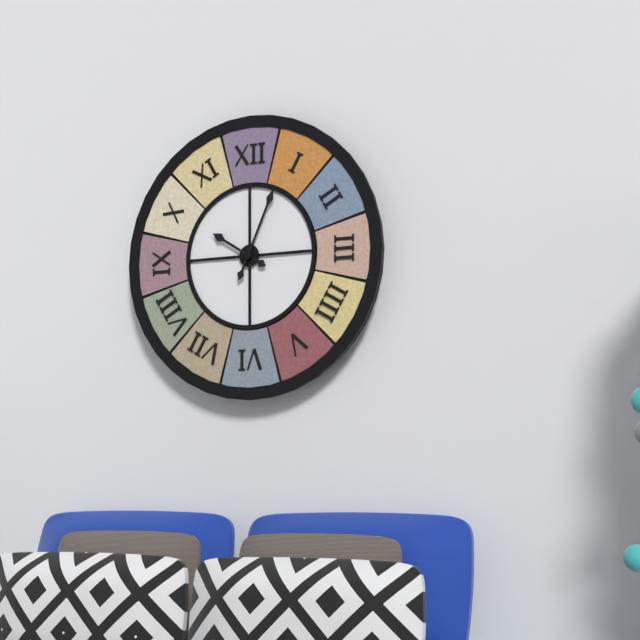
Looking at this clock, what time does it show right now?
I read 10:04
